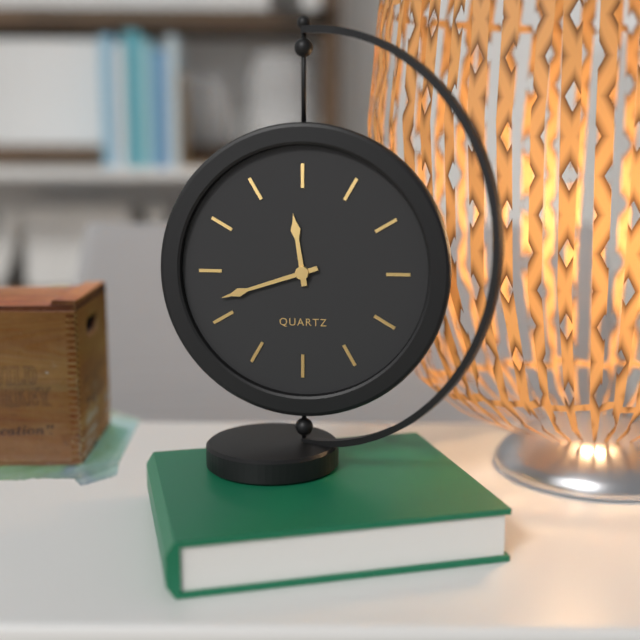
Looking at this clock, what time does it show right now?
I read 11:42
